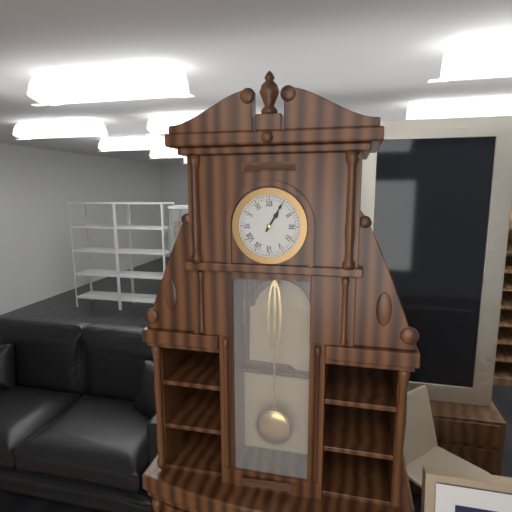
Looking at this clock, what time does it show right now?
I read 1:05
